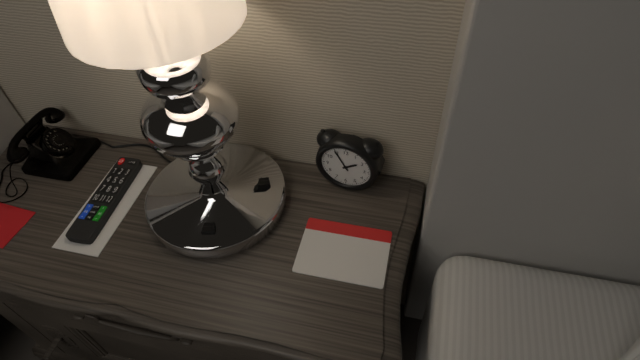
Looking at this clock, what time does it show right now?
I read 1:55
